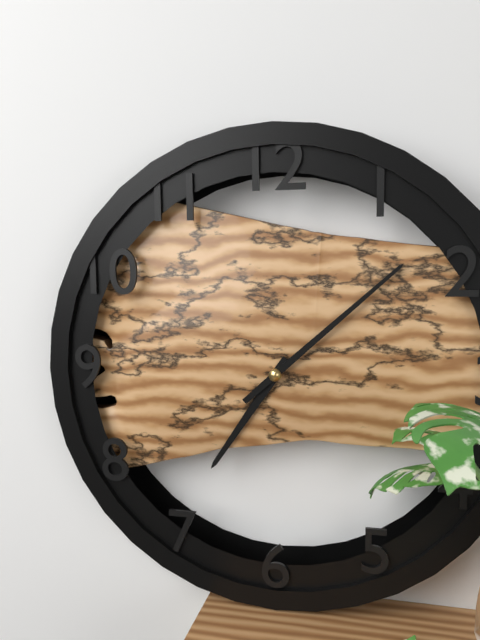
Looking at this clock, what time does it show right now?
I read 7:08
